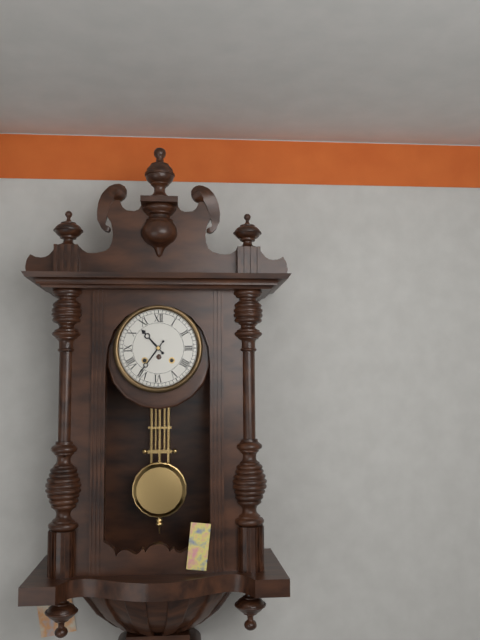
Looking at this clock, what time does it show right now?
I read 10:36
